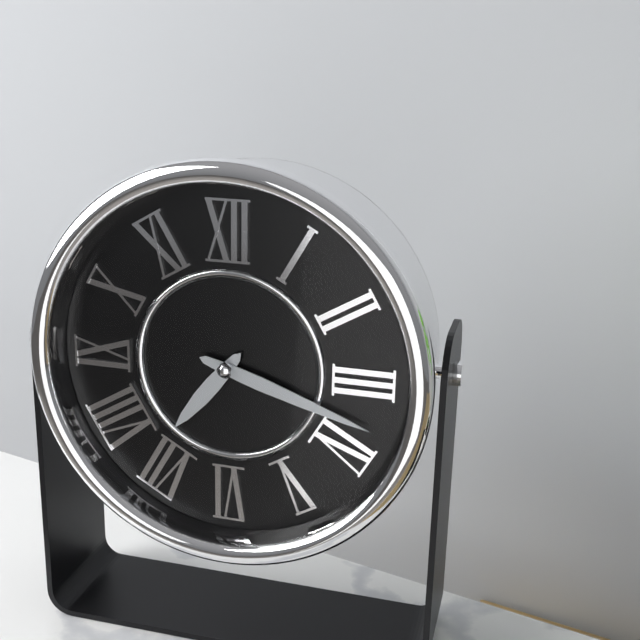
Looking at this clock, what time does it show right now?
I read 7:18
